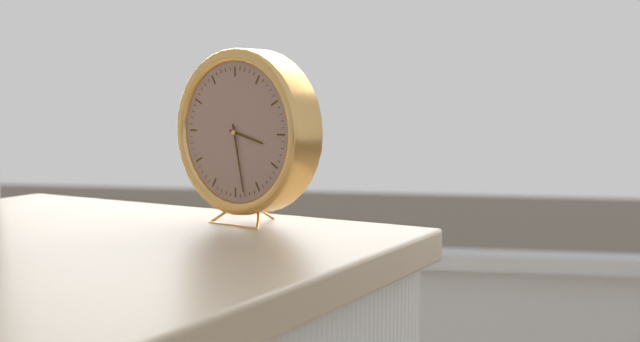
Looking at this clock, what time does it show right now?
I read 3:28
